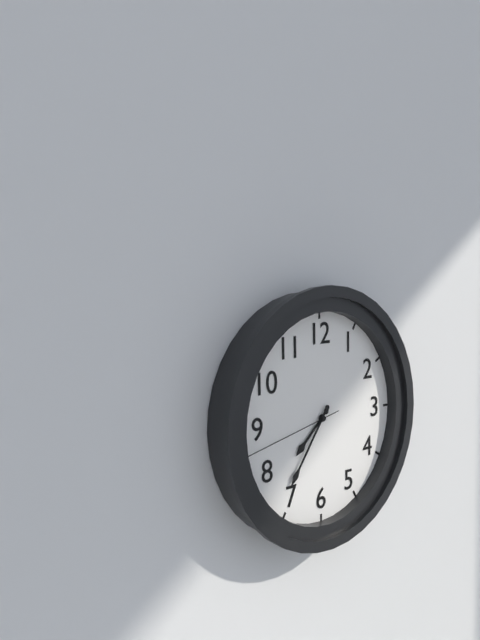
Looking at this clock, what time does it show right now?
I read 7:36:43
